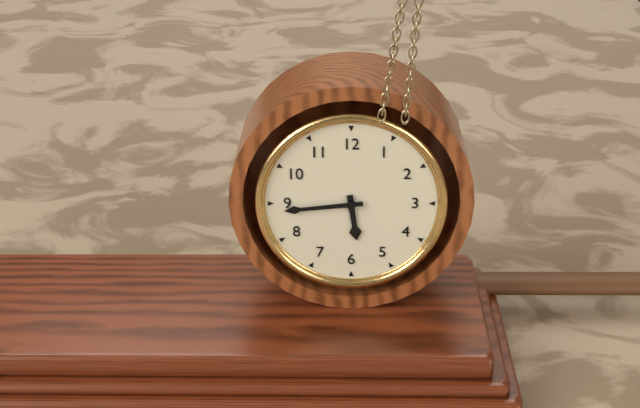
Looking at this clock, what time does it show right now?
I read 5:44
